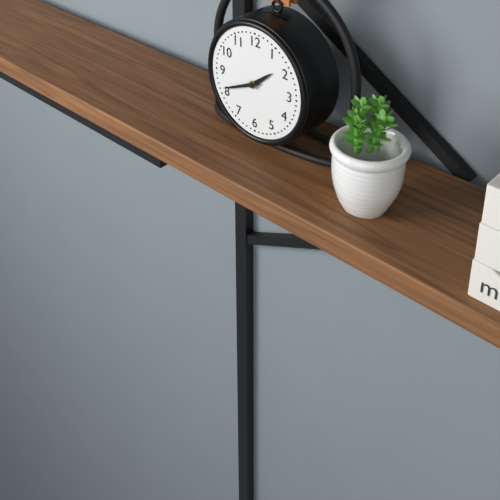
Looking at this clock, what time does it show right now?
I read 1:41
